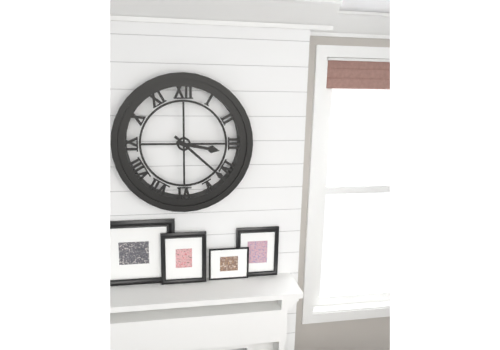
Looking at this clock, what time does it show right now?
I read 3:22
